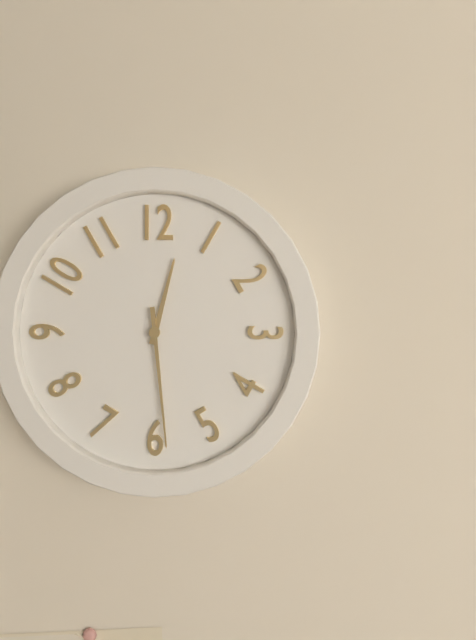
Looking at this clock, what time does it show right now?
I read 12:29
